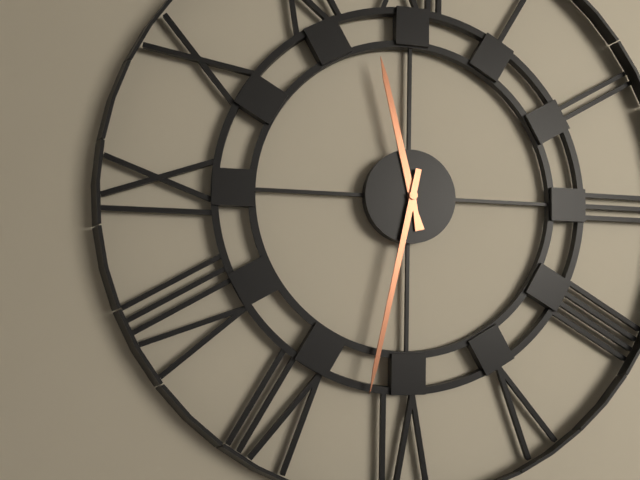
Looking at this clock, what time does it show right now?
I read 11:32
